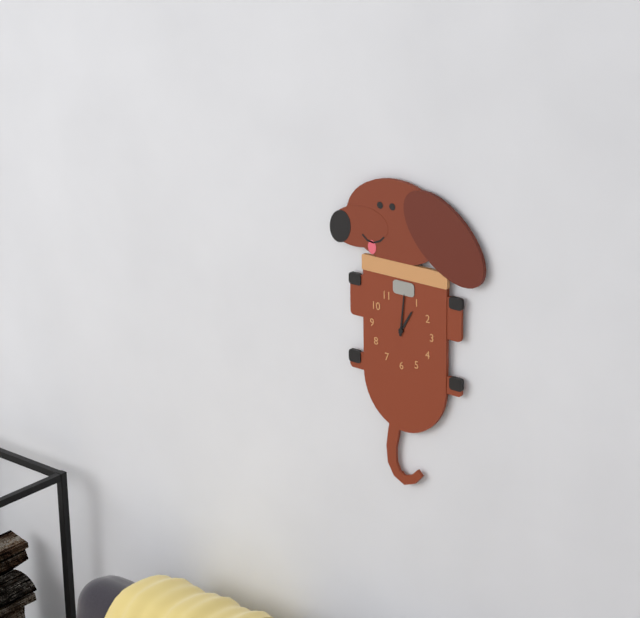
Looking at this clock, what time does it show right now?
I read 1:01
